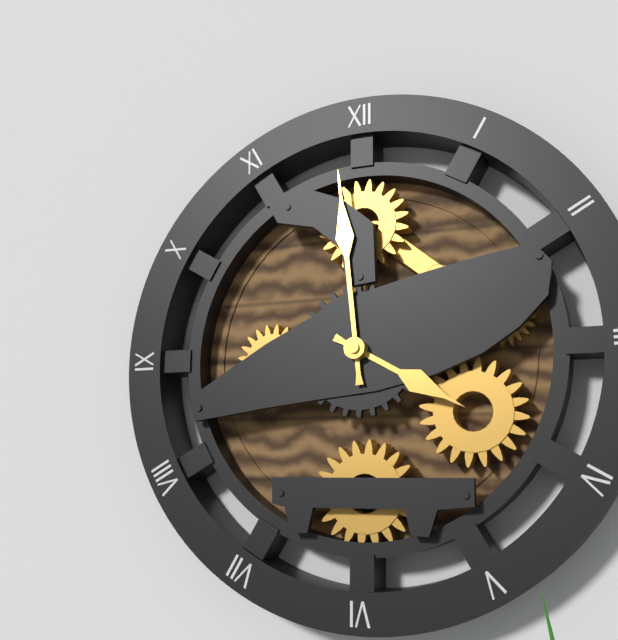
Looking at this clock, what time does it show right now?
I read 3:59
